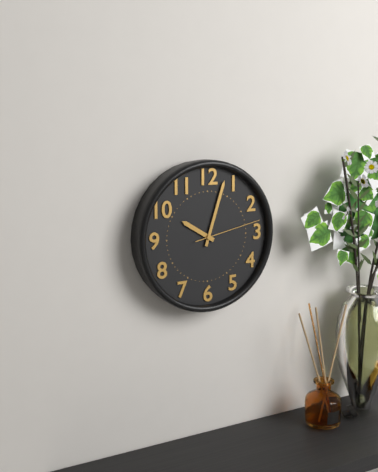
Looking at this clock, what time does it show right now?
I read 10:03:13
